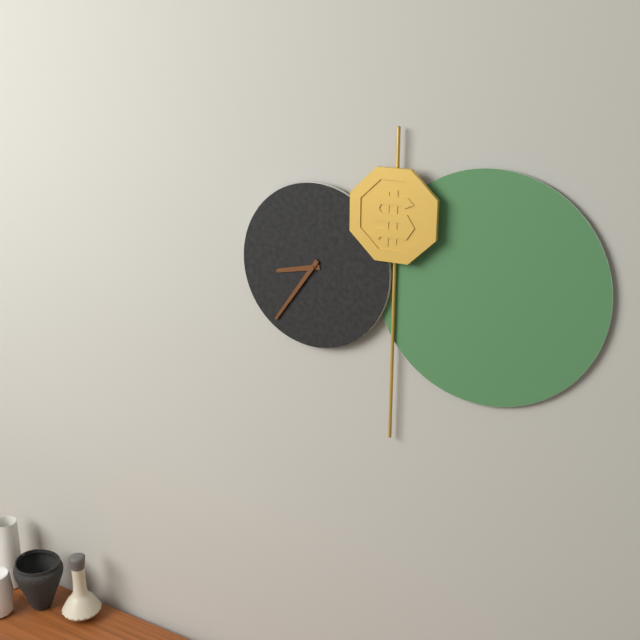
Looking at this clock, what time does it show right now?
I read 8:36
